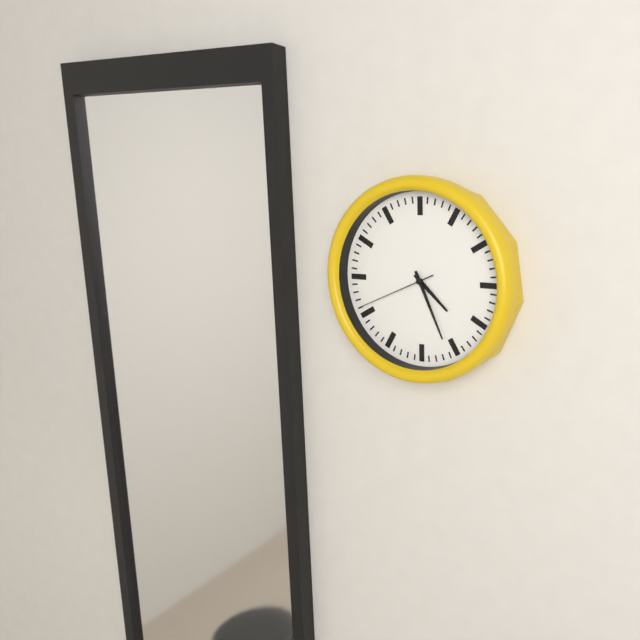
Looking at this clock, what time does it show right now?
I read 4:26:41
